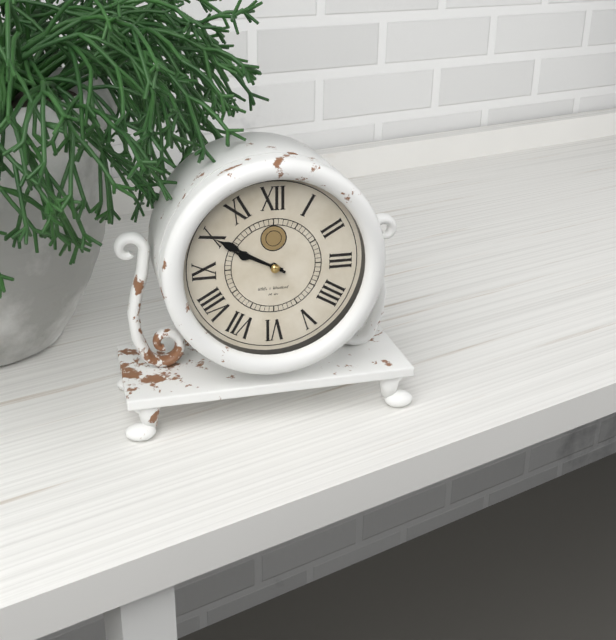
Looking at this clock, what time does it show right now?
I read 9:50
